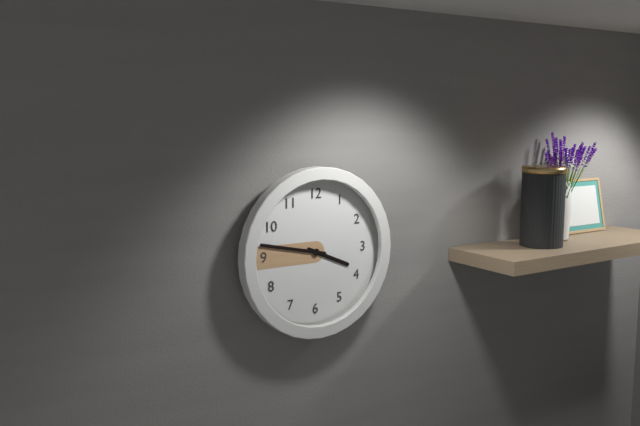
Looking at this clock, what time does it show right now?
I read 3:47
